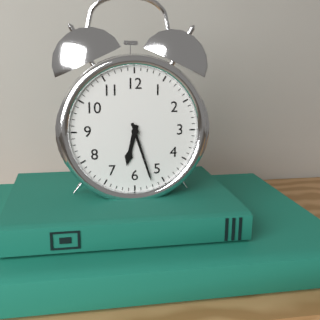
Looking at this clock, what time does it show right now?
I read 6:27
